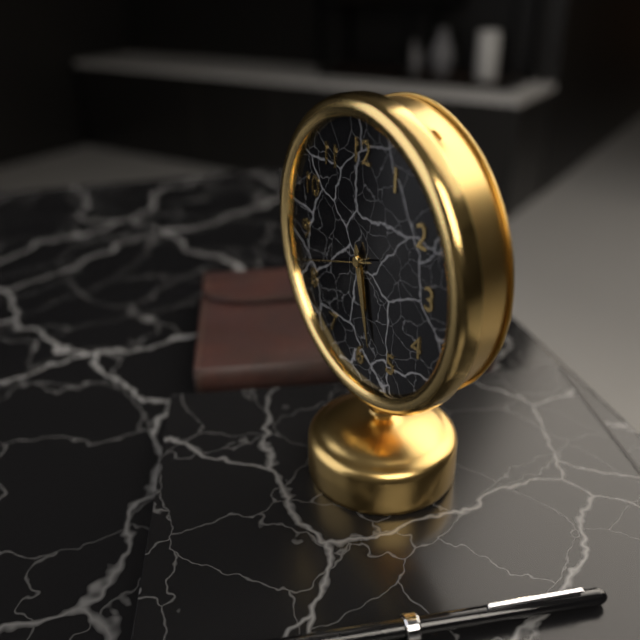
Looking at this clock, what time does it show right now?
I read 5:28:42
